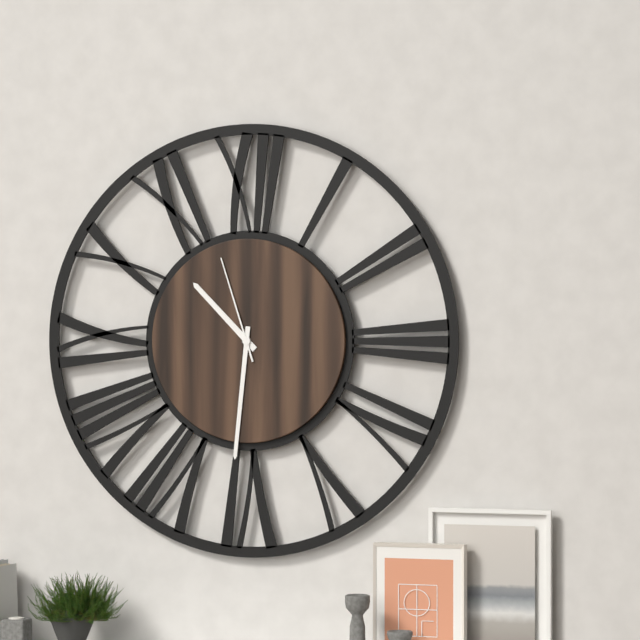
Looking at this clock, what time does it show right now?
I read 10:31:57
